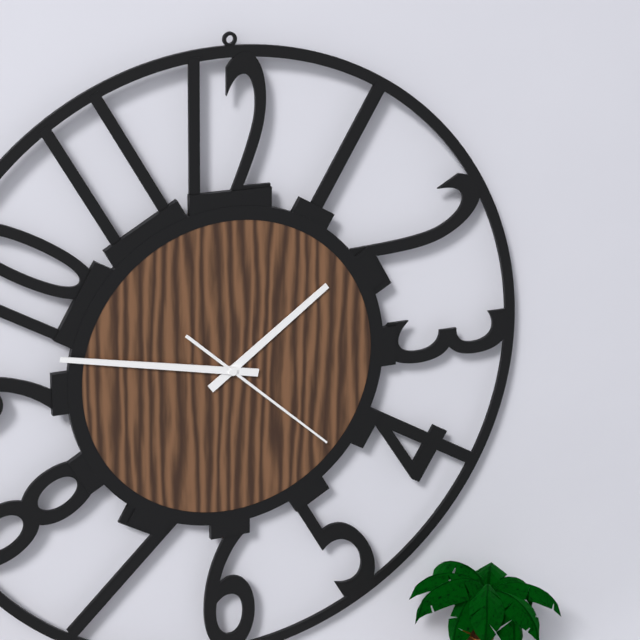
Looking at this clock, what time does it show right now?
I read 1:47:22
